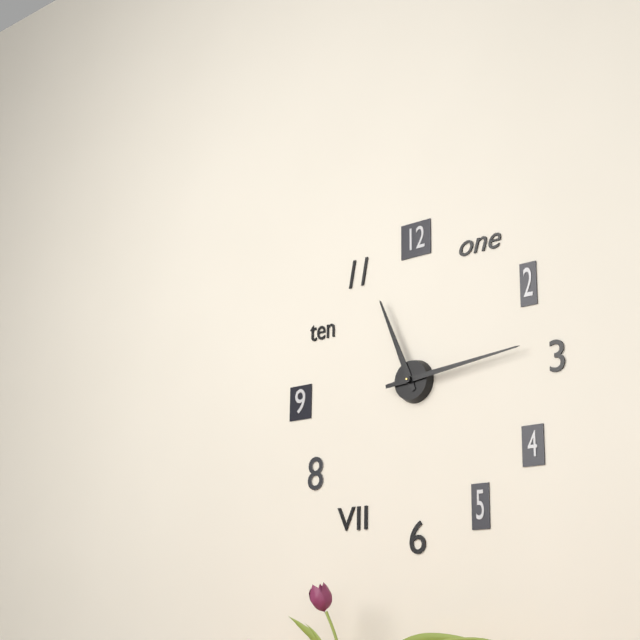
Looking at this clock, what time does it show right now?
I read 11:14
